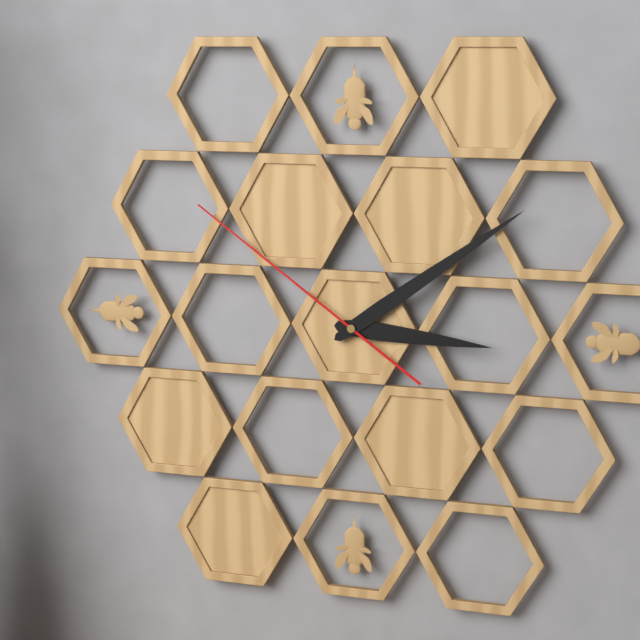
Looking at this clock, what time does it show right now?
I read 3:09:51
